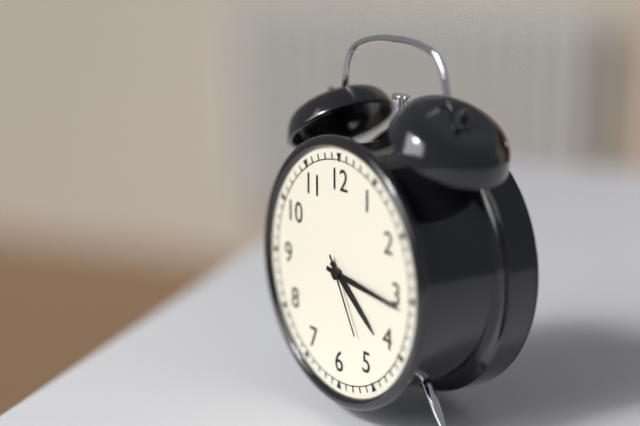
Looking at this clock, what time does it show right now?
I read 4:16:25
